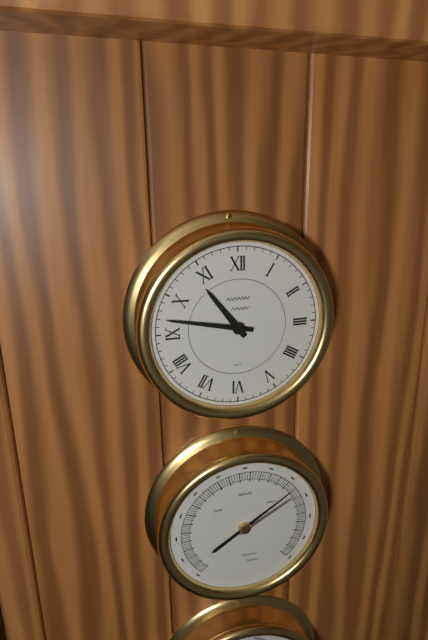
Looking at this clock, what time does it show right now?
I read 10:47
